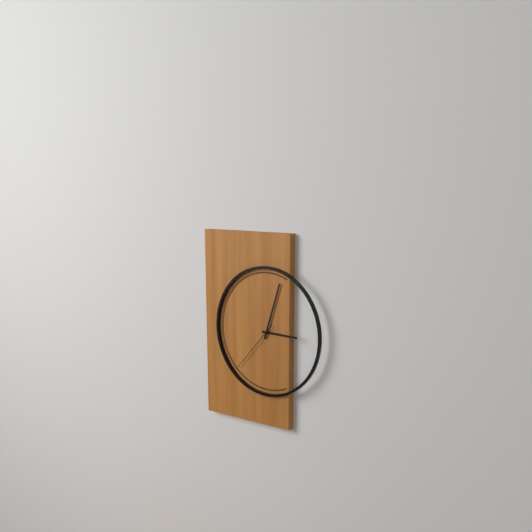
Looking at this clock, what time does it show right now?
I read 3:03:37
